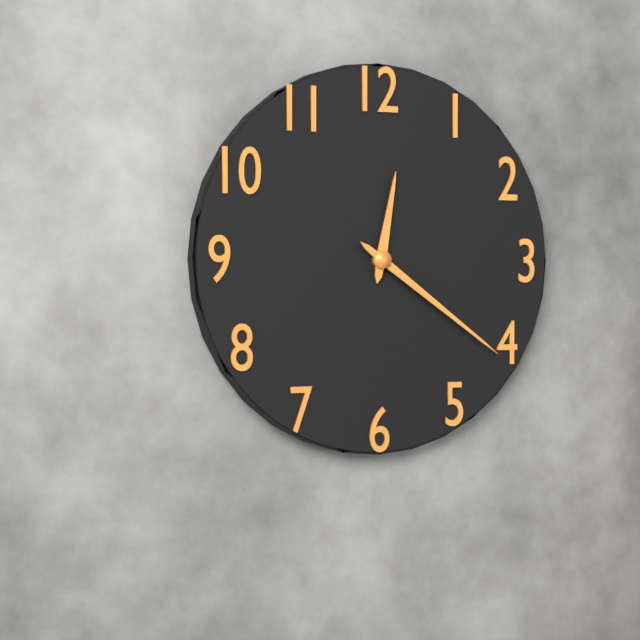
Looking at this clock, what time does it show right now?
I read 12:21
